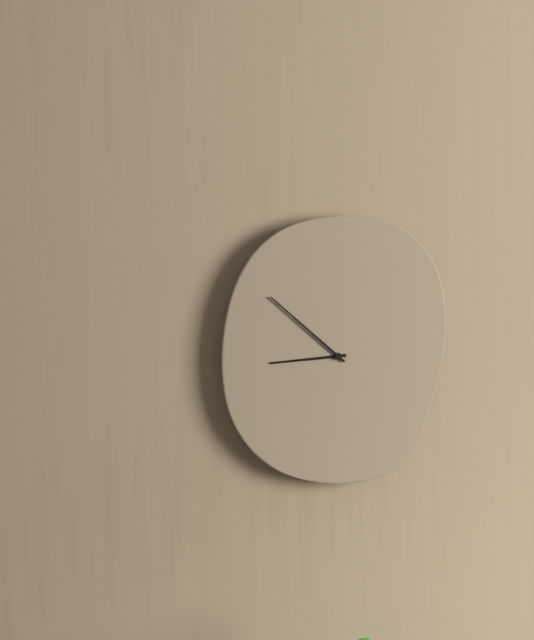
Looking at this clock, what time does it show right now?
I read 8:52
